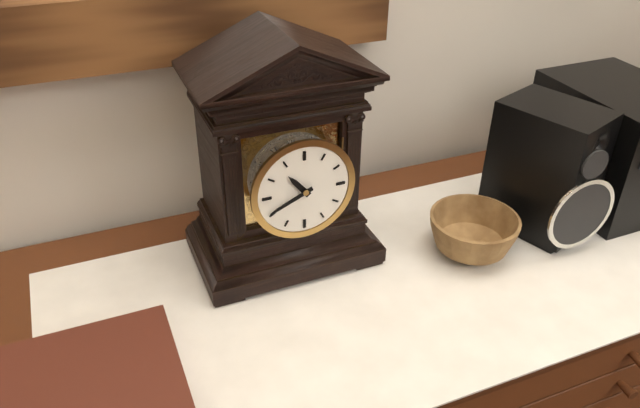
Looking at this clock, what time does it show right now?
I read 10:41
